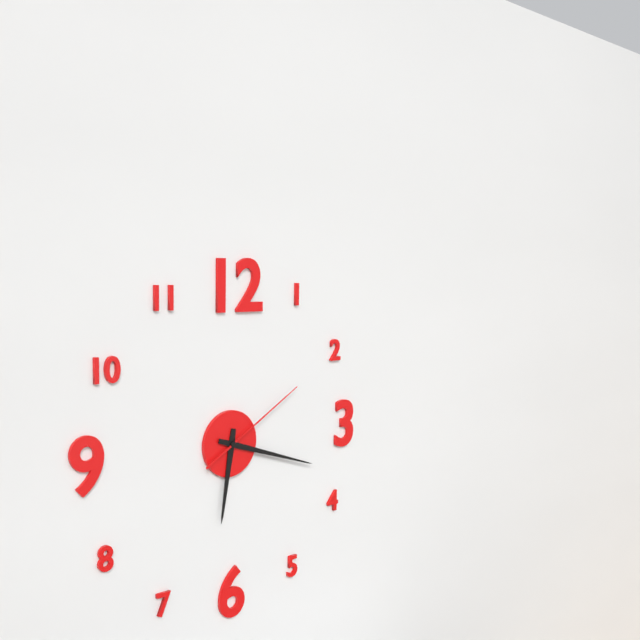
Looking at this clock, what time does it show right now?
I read 6:18:10
